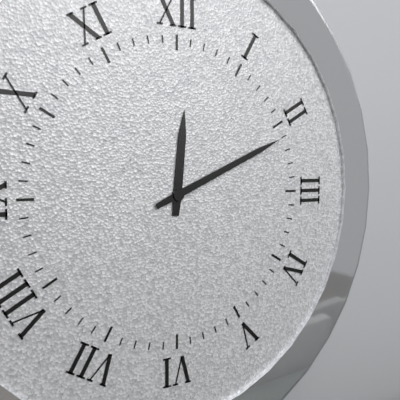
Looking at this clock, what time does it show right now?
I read 12:11
